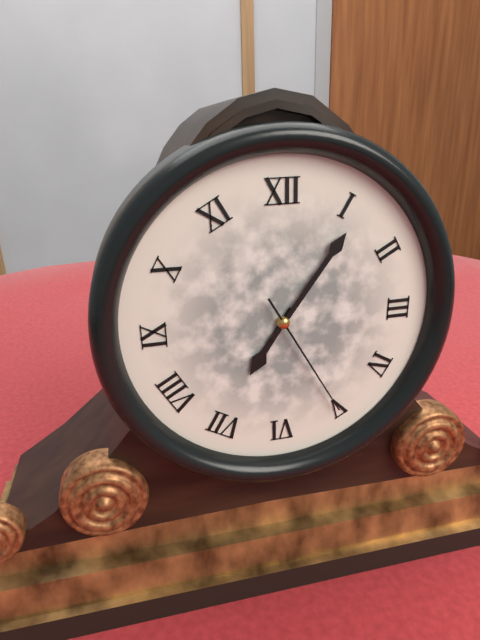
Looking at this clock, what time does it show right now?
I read 7:06:25
